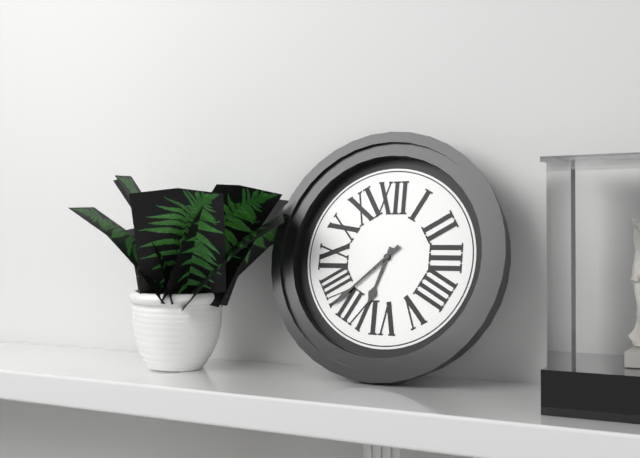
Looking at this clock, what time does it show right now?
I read 6:38
